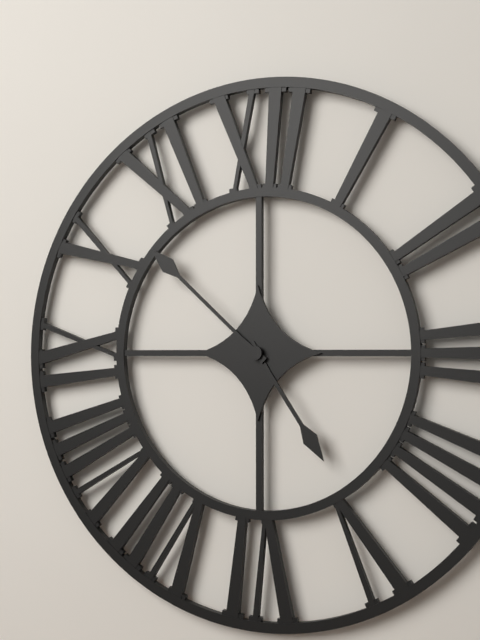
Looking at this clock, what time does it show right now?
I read 4:52
